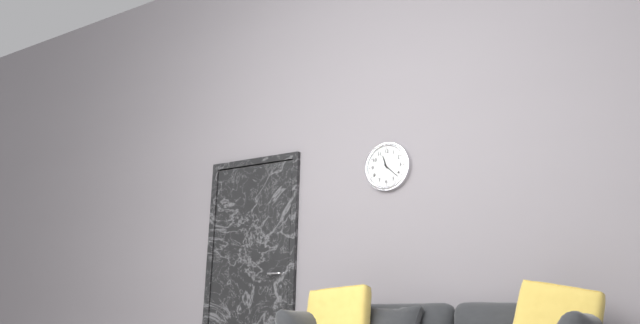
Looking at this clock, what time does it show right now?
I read 11:22
